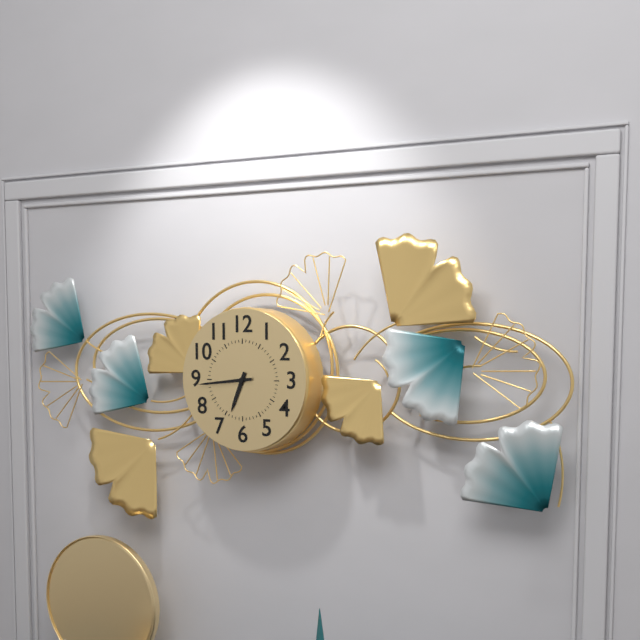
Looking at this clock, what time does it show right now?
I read 6:44
